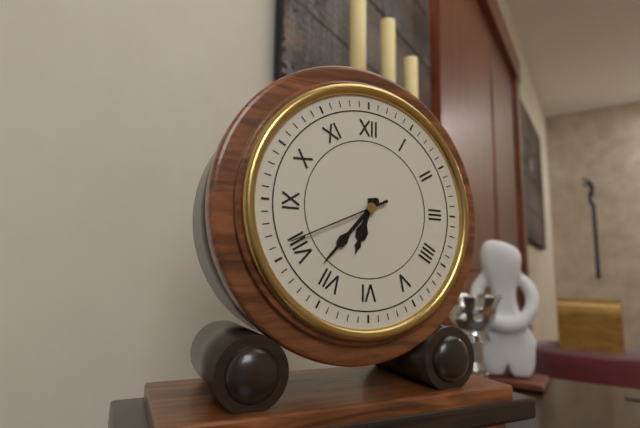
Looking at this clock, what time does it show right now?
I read 6:37:41
